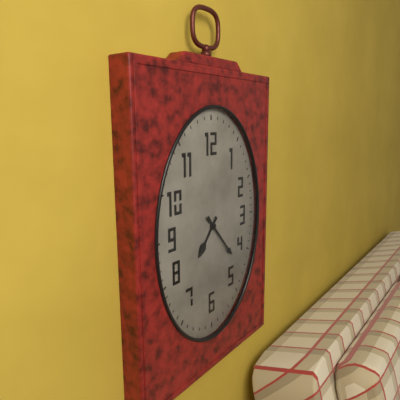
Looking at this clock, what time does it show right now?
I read 7:23
